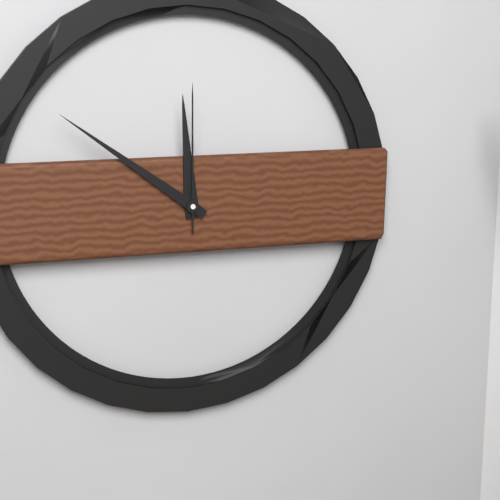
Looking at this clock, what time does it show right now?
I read 11:51:00
